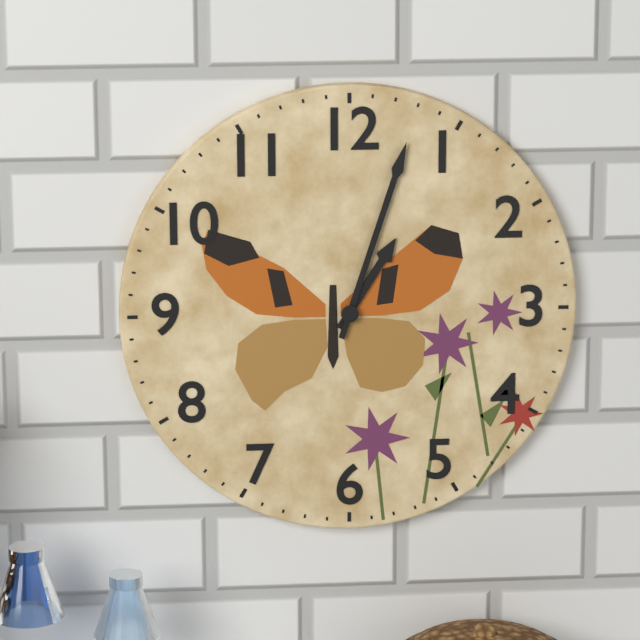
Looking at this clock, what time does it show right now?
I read 1:03
